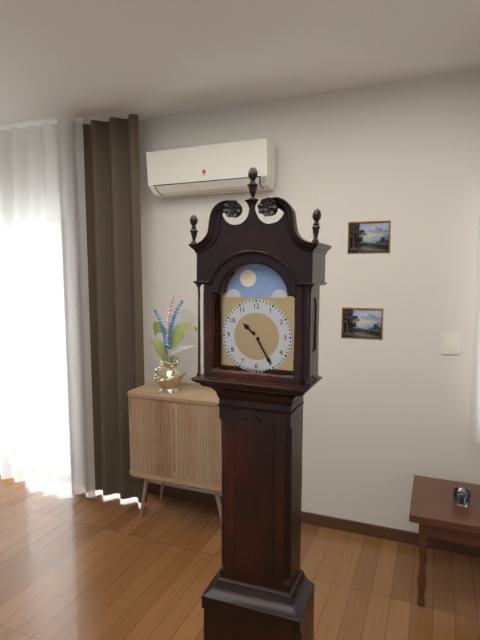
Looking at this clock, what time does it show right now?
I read 10:25
